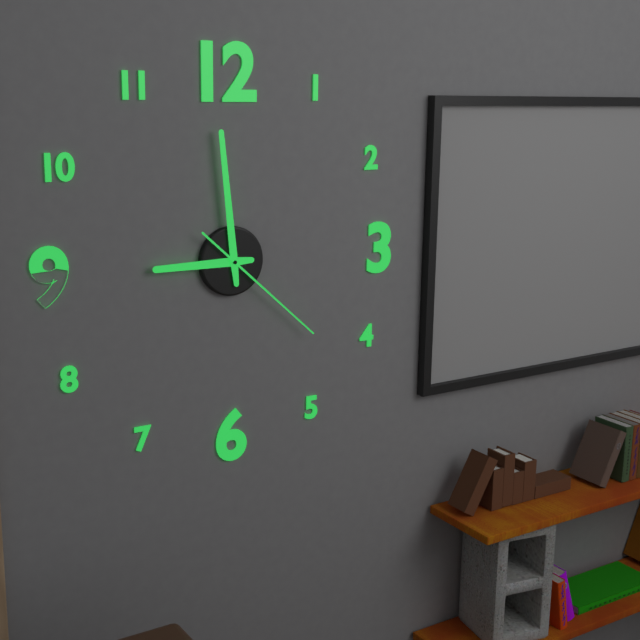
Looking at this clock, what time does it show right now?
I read 8:59:22
